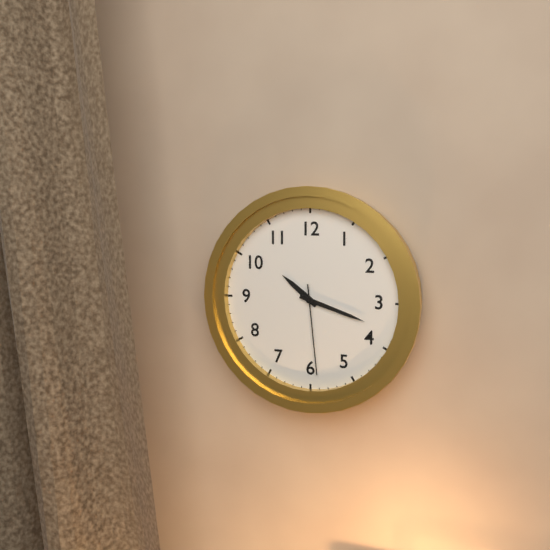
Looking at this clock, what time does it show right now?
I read 10:18:29
